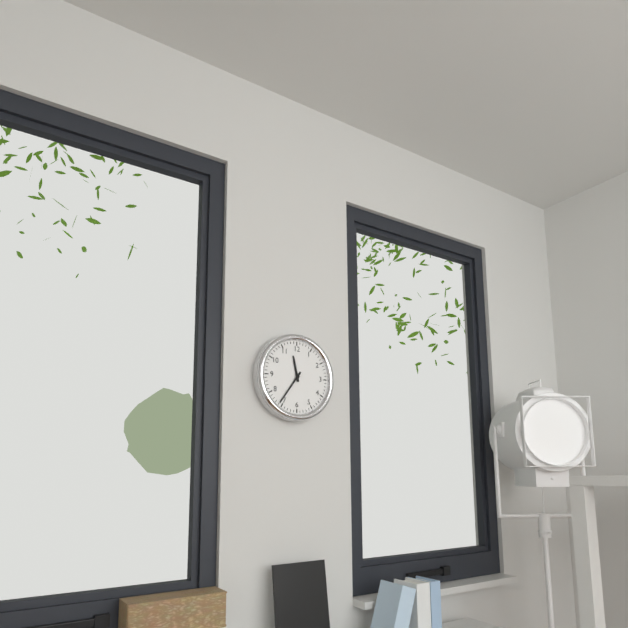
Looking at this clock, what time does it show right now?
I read 11:36
